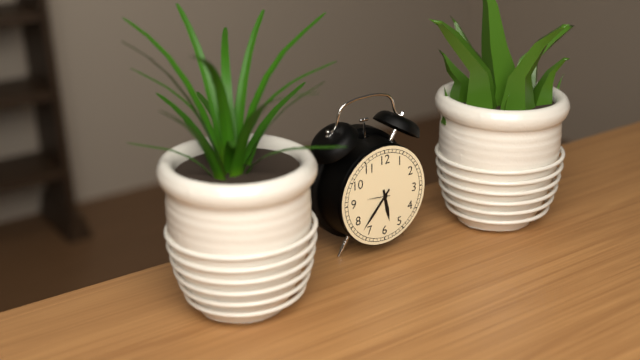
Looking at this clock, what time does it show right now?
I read 5:37
